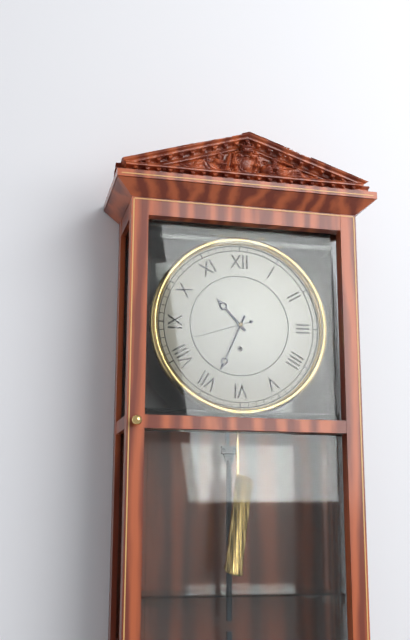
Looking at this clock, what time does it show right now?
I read 10:34
